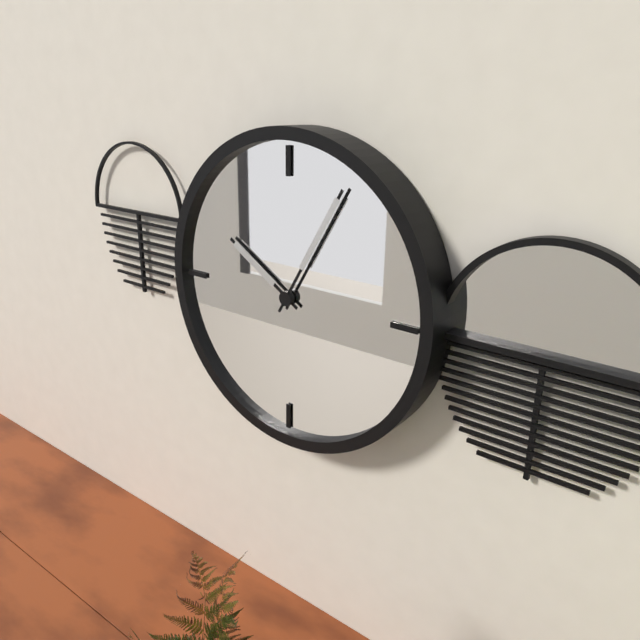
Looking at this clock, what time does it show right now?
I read 10:05
